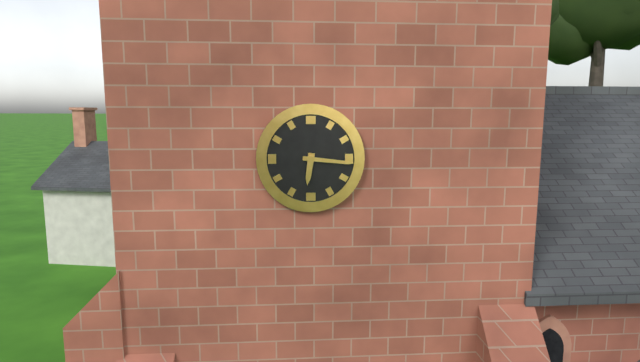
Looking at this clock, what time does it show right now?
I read 6:16
